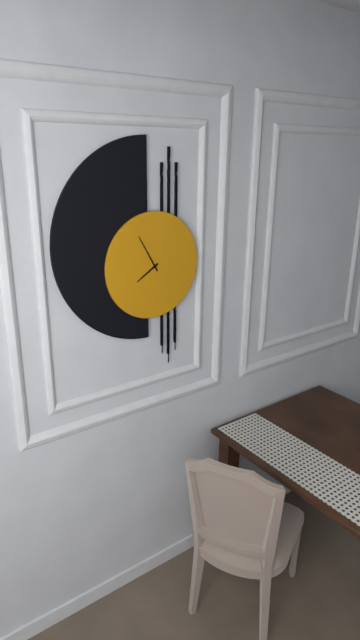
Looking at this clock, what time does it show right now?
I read 7:55
